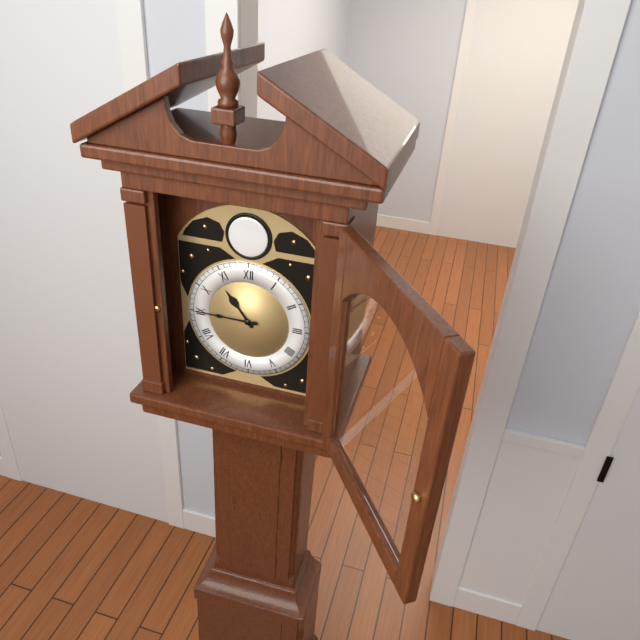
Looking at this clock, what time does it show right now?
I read 10:45
